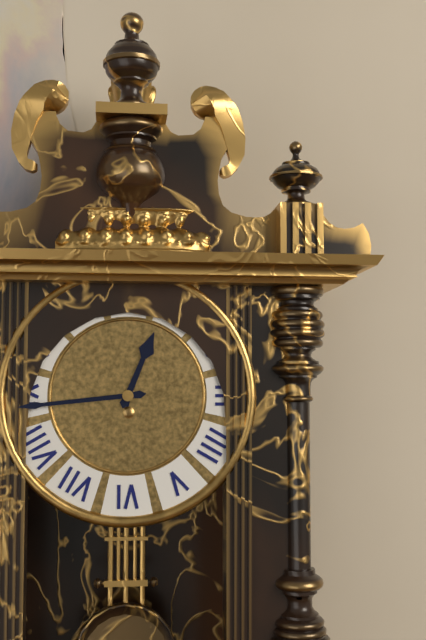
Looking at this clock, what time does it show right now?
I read 12:44
